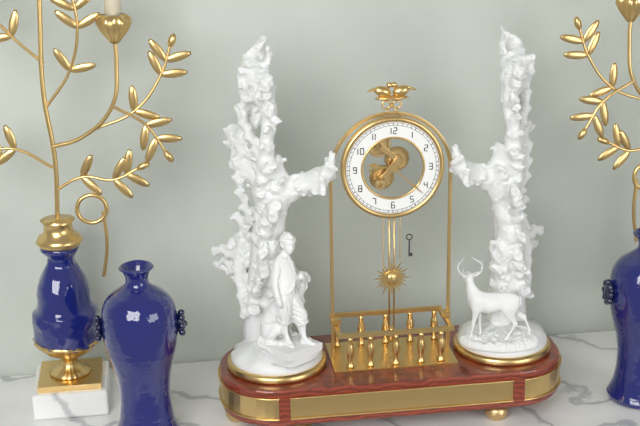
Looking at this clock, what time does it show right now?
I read 9:22
